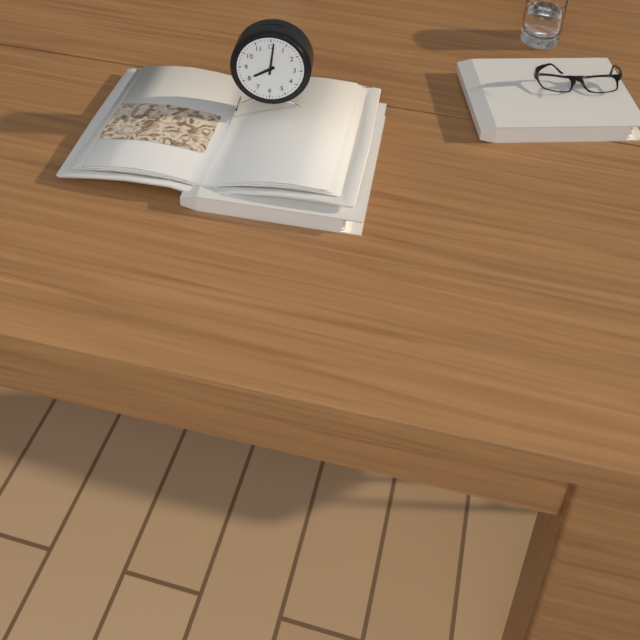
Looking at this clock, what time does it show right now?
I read 8:01
